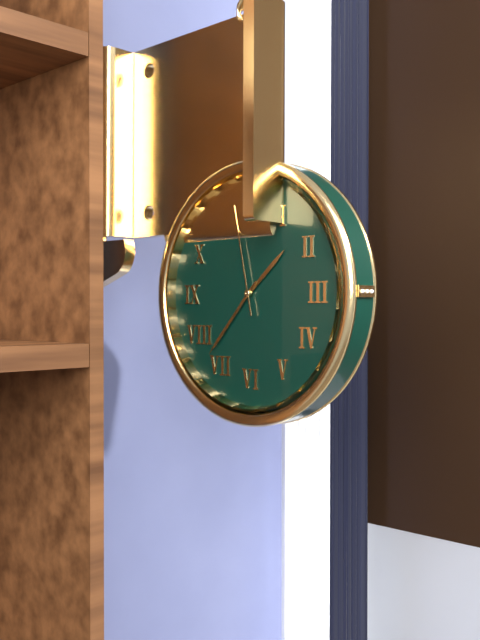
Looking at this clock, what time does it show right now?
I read 1:37:58
